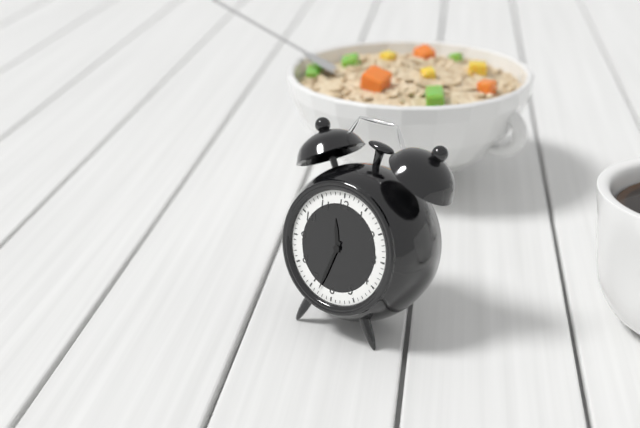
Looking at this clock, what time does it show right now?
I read 11:33
